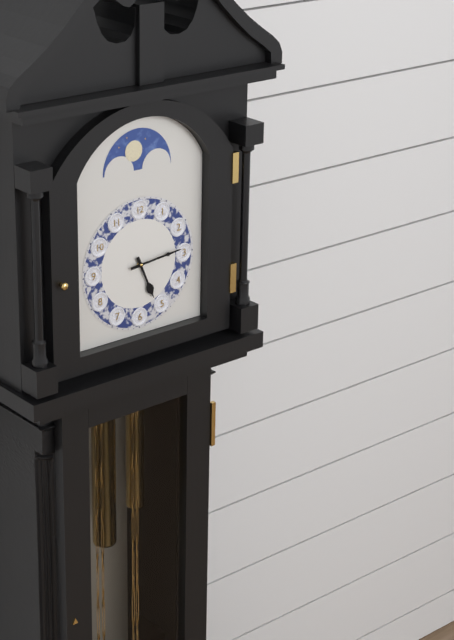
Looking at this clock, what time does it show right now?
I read 5:14
